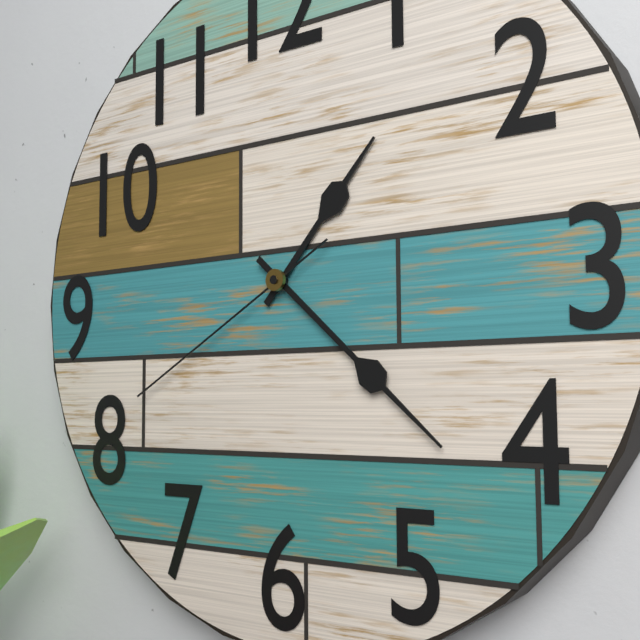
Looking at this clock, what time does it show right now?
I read 1:22:40
